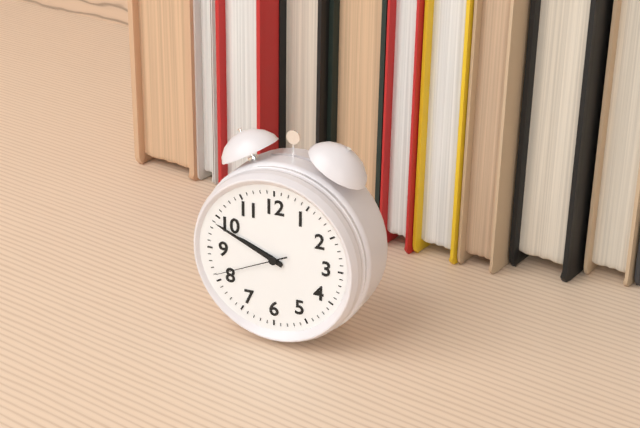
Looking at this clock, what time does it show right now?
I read 9:49:41
